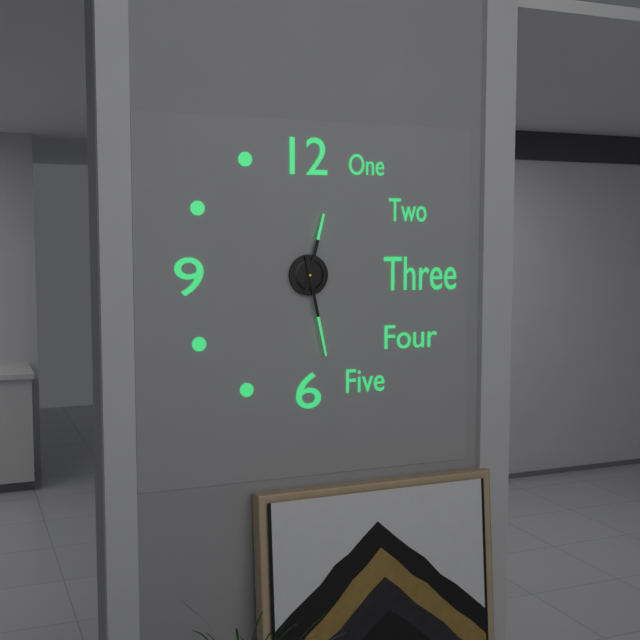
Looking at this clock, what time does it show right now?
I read 12:28
